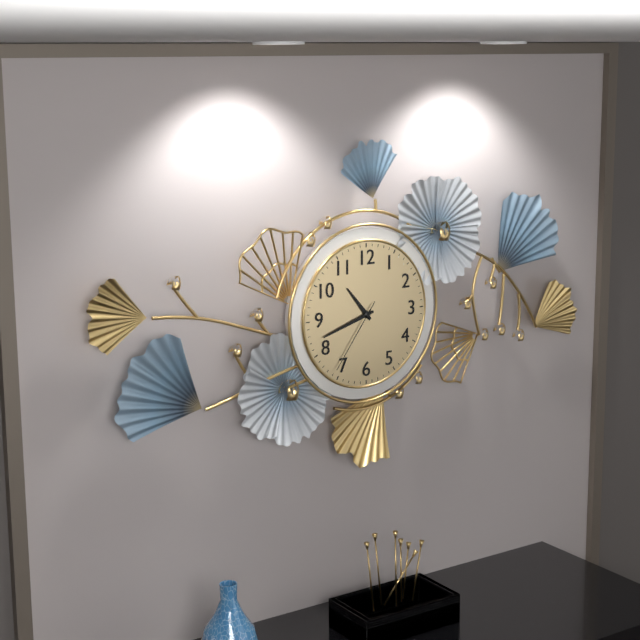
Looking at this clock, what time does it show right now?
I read 10:42:36
